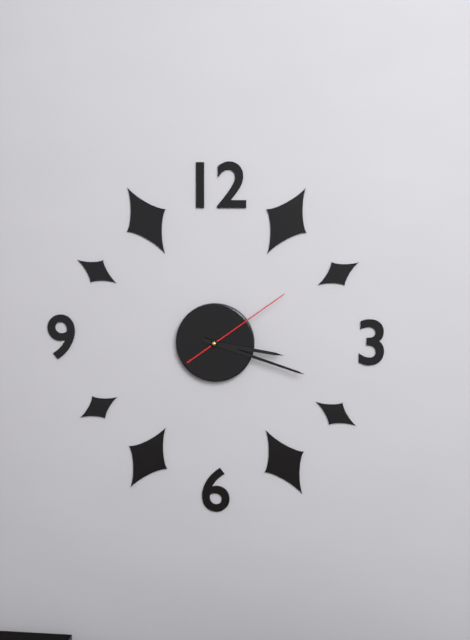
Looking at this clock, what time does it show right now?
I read 3:18:09
